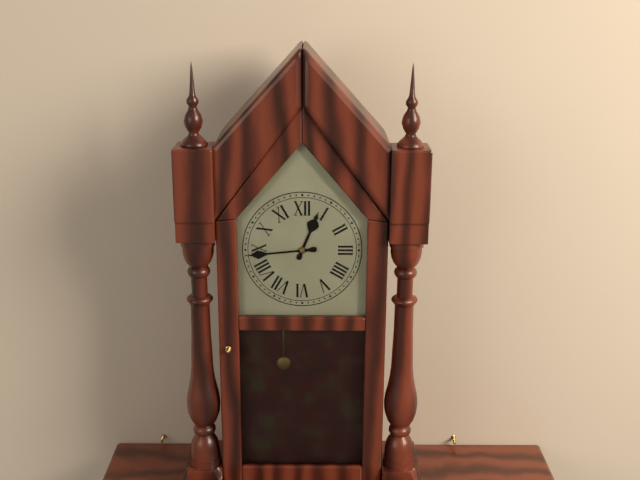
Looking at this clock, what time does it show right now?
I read 12:44
